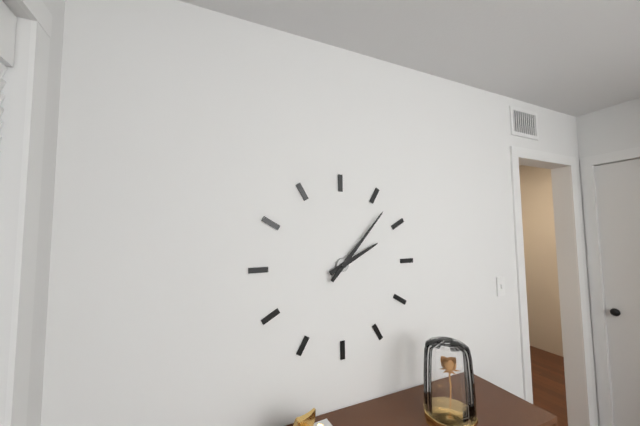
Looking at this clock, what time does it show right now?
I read 2:07
